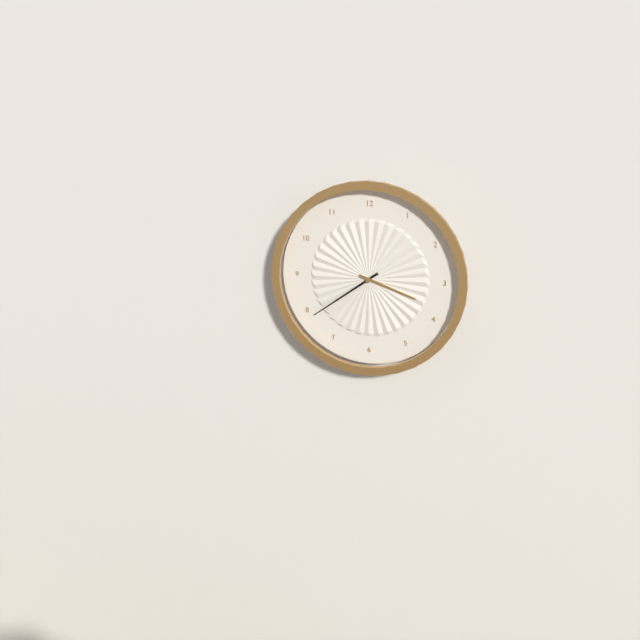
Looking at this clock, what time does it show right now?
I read 3:39
